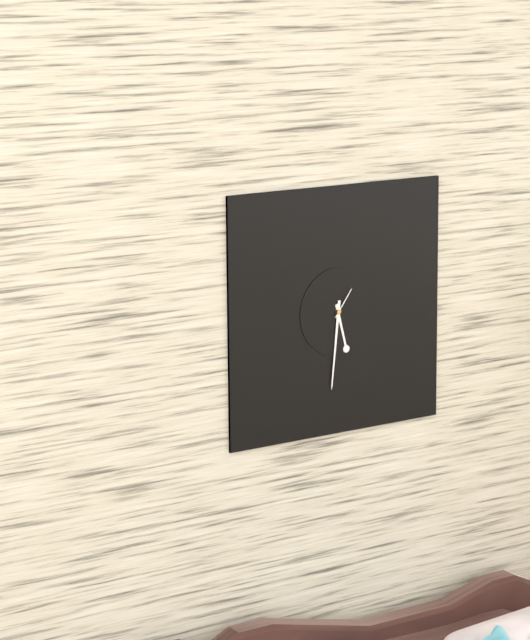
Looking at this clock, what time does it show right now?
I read 5:31
